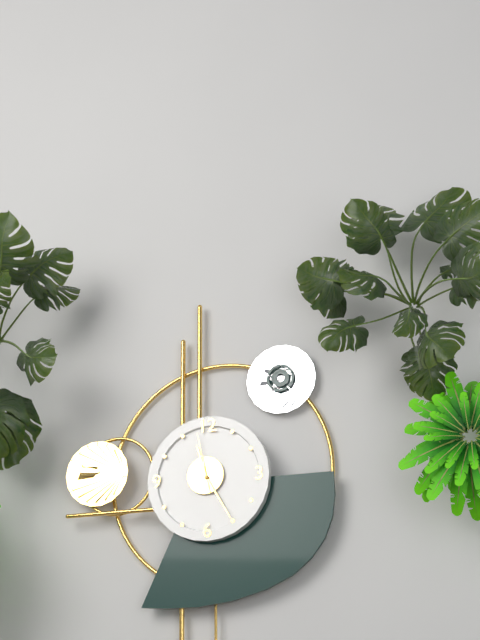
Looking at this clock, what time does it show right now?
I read 11:25:58
